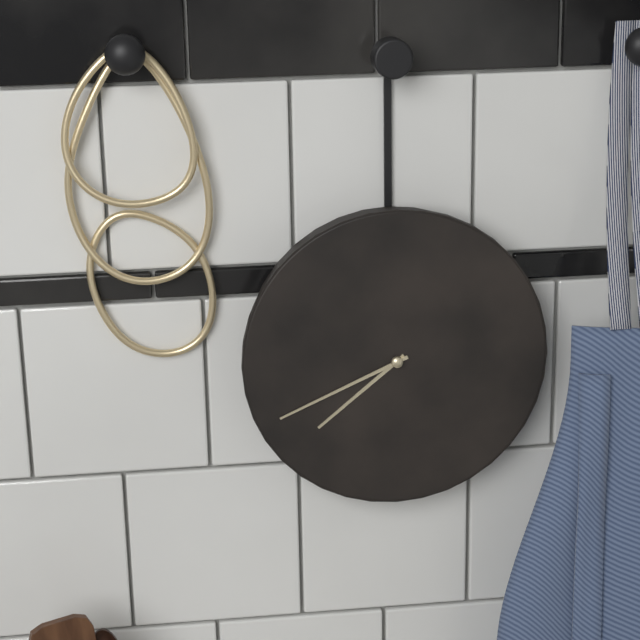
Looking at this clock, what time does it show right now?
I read 7:41
